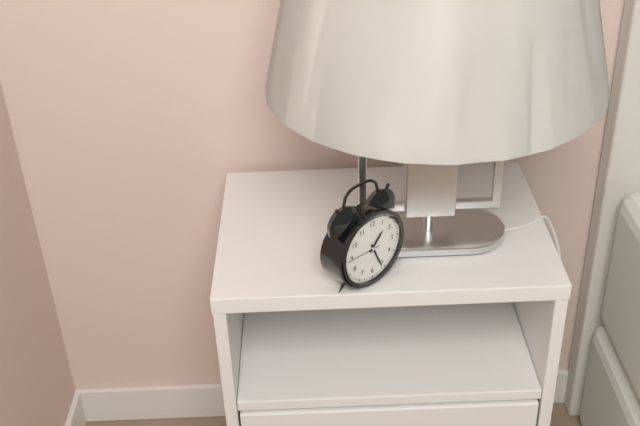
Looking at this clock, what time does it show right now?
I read 1:26
